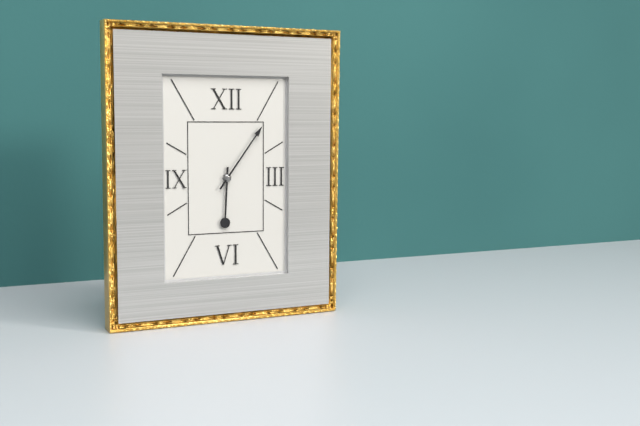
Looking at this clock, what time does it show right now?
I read 6:06
